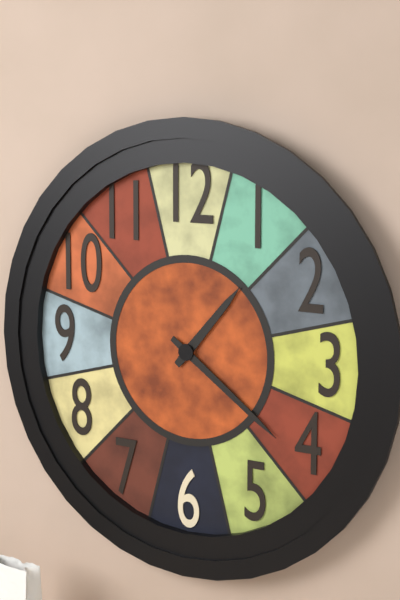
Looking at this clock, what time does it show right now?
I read 1:21
